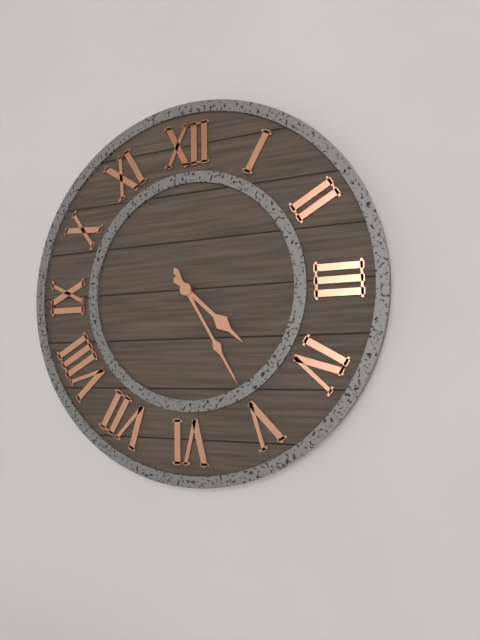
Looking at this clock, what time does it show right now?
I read 4:25
